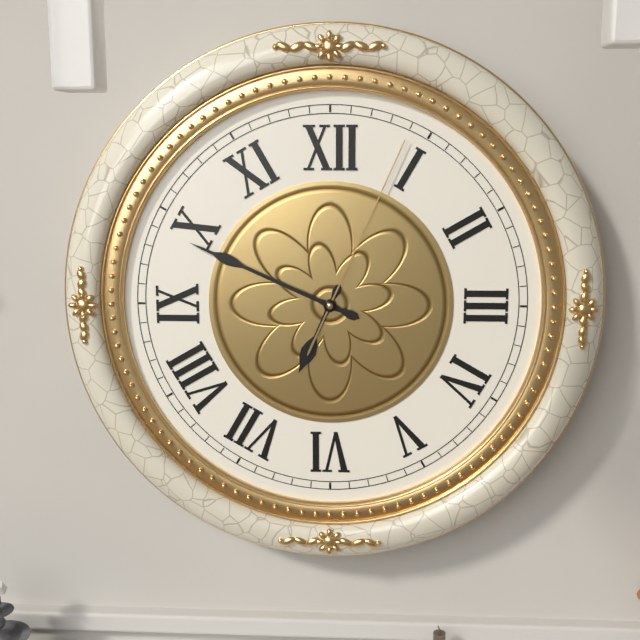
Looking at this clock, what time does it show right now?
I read 6:49:04
